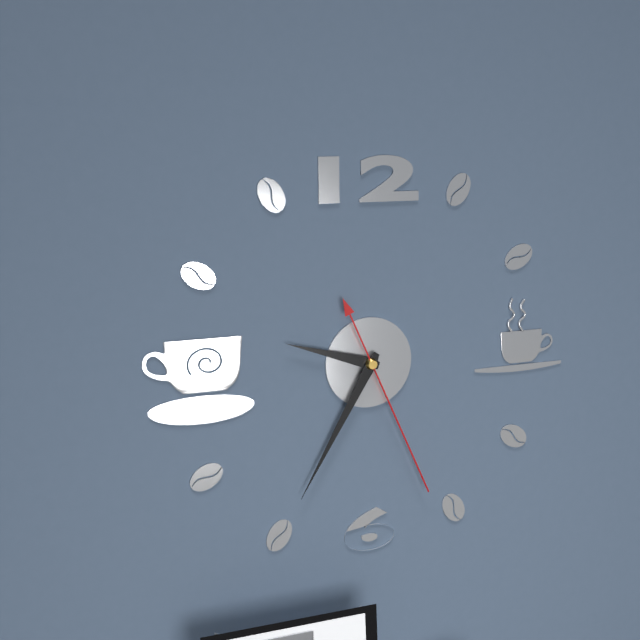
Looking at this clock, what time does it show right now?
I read 9:35:26
